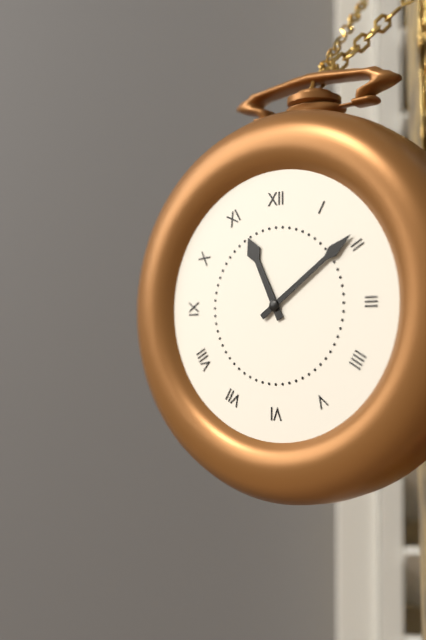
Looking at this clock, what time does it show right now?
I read 11:09
